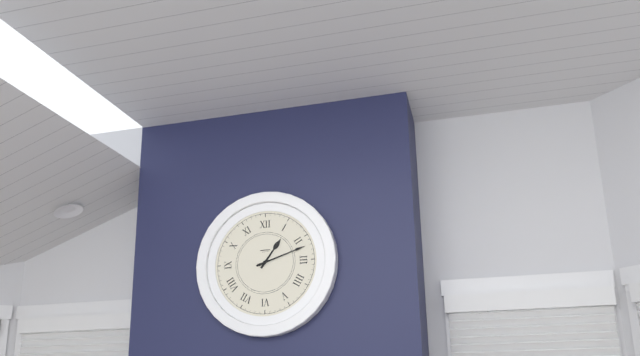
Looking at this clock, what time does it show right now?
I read 1:12
